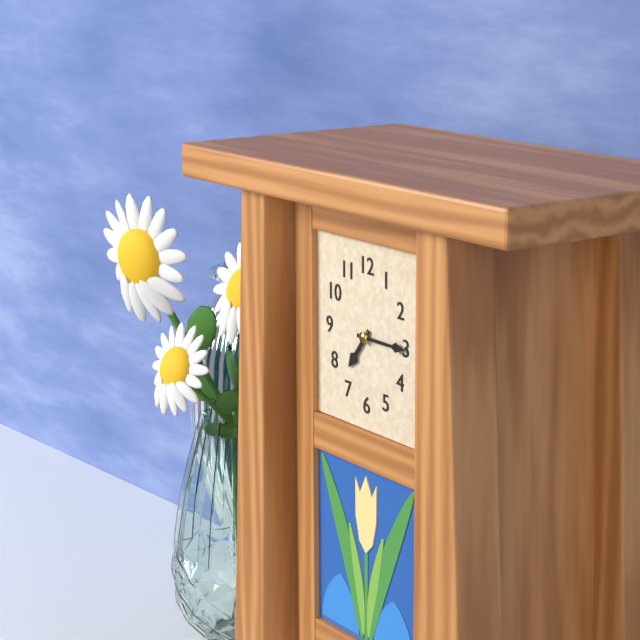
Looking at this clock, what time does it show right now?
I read 7:15
